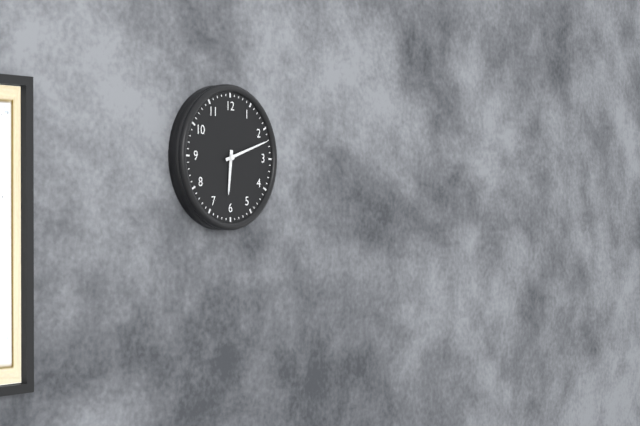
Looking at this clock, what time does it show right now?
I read 6:12
